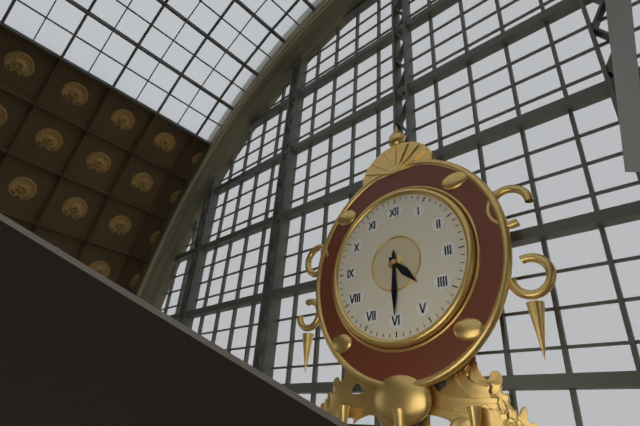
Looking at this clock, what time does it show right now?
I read 4:30
